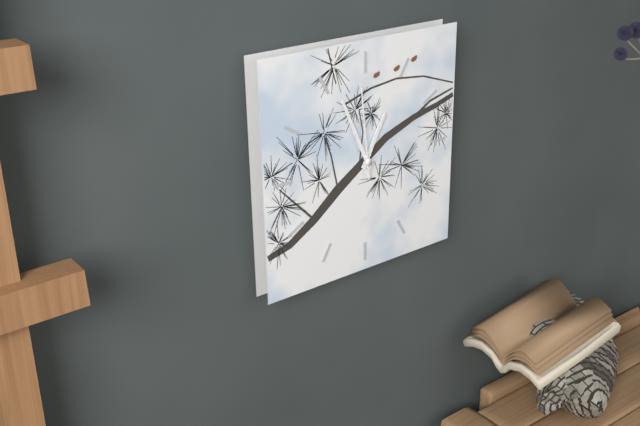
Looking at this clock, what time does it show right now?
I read 12:56:59
